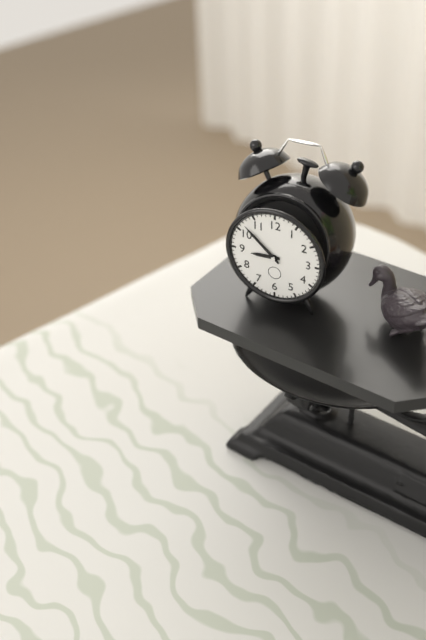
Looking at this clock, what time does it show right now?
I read 8:52
